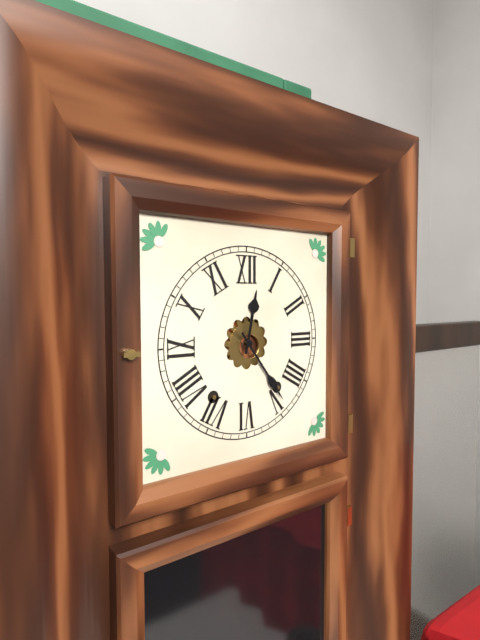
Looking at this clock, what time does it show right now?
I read 12:24
